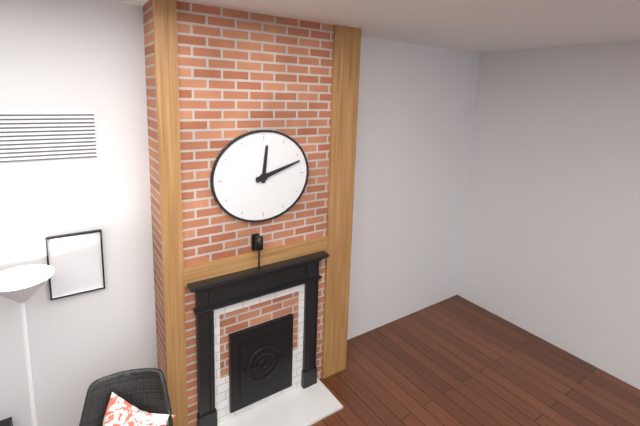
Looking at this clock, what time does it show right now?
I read 12:12
